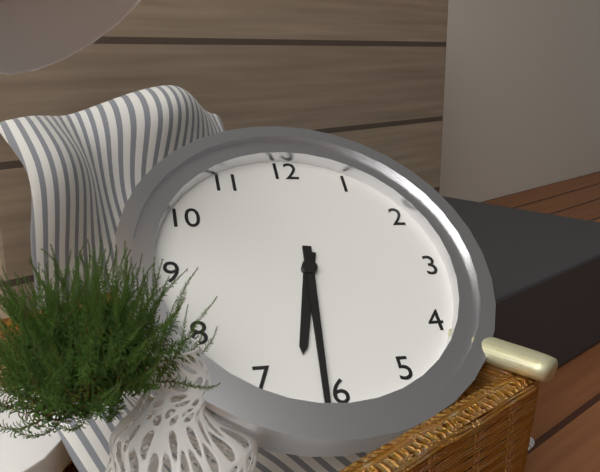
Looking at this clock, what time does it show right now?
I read 6:31
